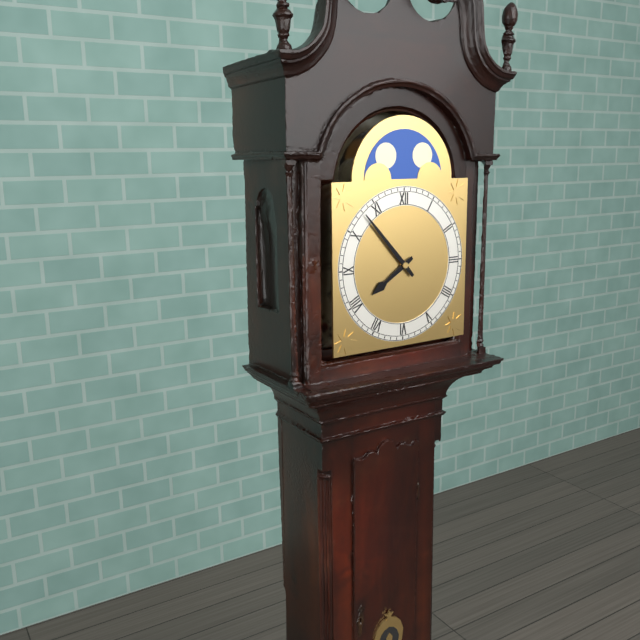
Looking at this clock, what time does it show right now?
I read 7:53
